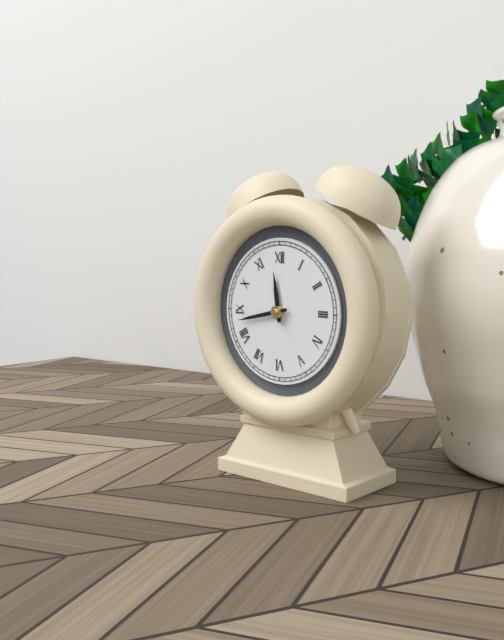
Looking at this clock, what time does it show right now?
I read 11:43
